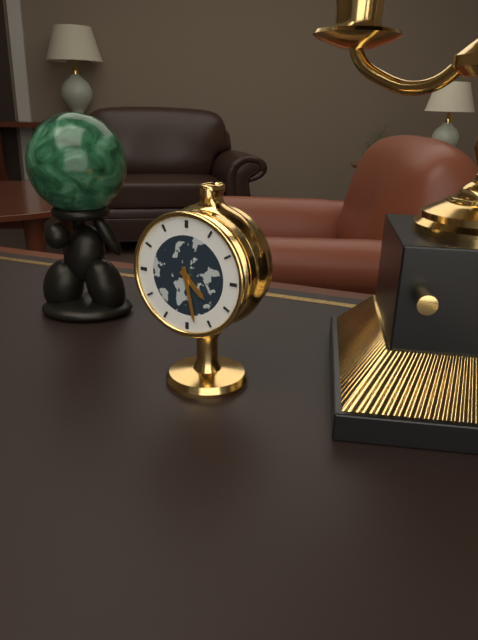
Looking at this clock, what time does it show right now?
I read 4:28
